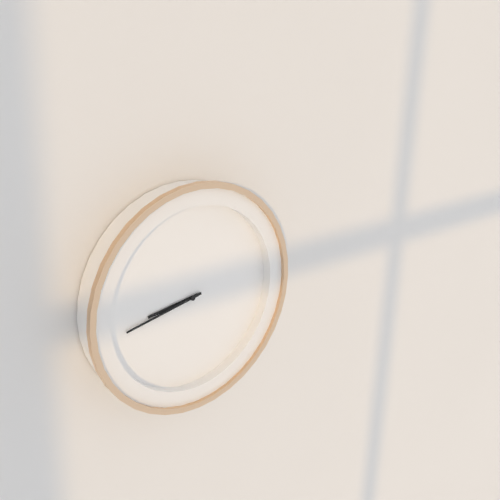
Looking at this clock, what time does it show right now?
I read 8:43
